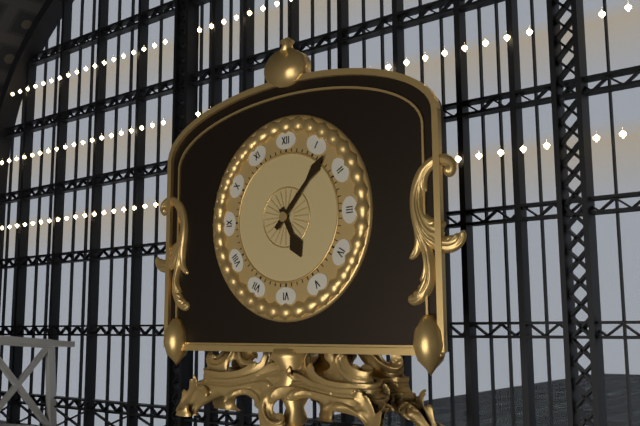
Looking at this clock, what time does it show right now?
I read 5:07
